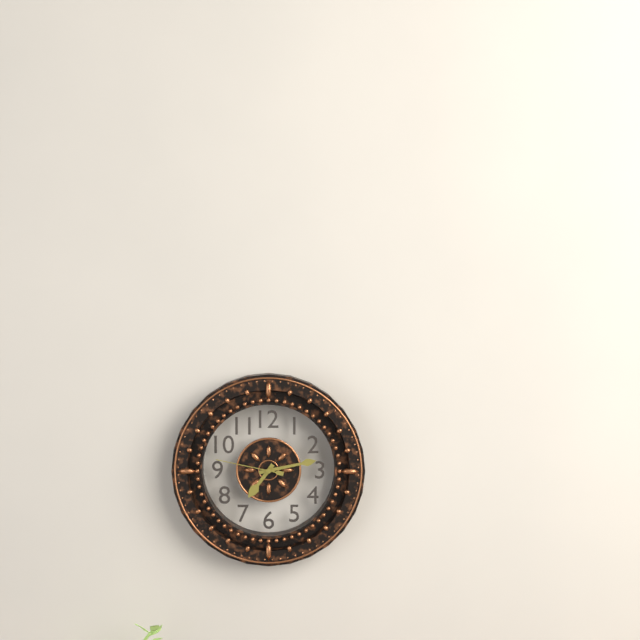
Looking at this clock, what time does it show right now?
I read 7:13:47
